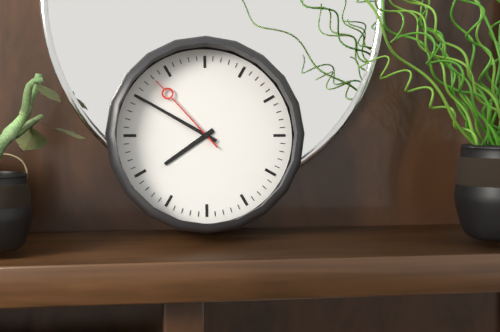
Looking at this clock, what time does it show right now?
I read 7:50:53
